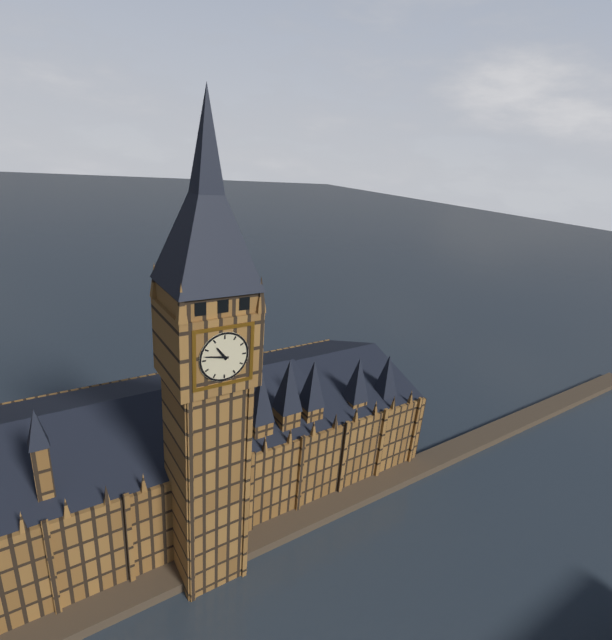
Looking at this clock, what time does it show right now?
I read 10:47
